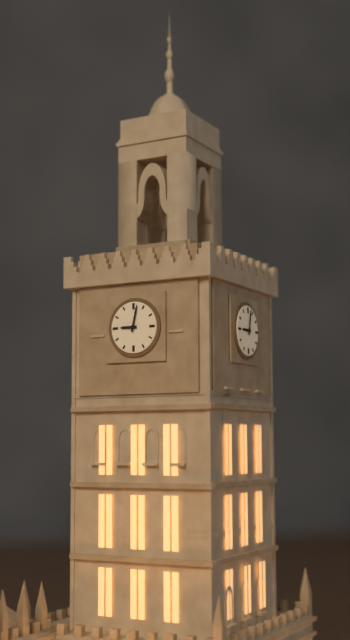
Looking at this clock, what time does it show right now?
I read 9:02
